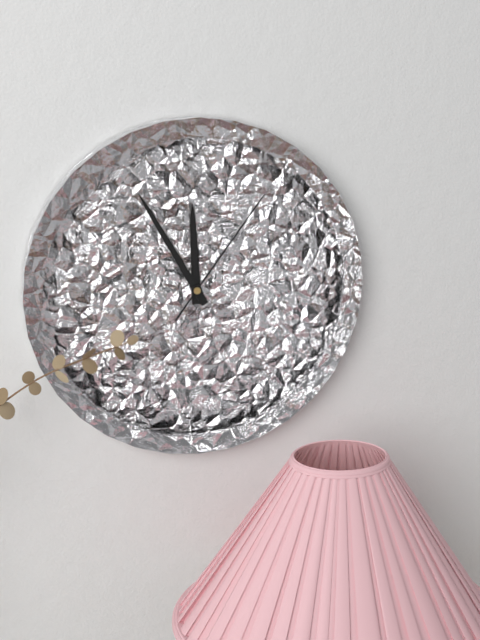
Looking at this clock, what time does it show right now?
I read 11:55:06
